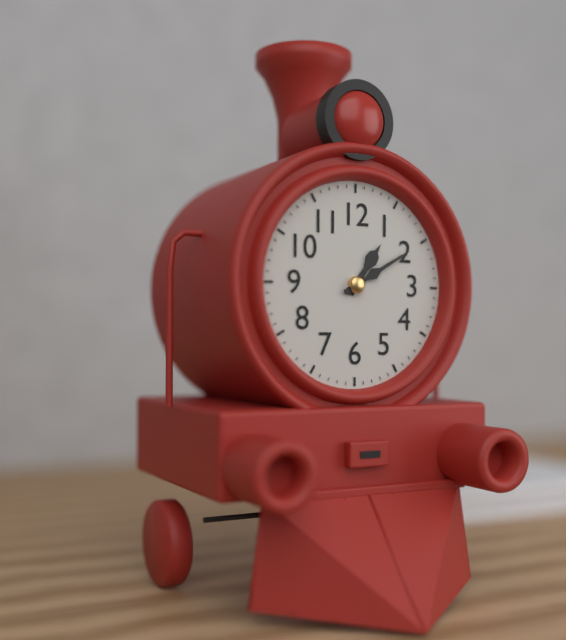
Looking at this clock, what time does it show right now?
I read 1:10
